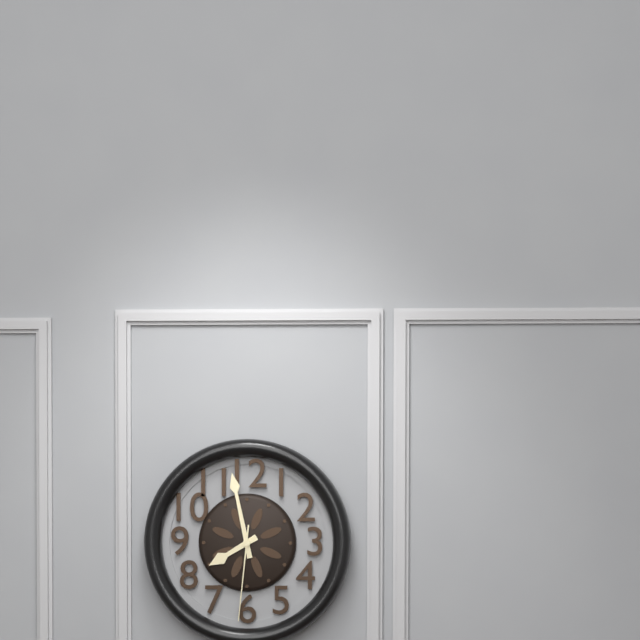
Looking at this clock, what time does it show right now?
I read 7:58:31
